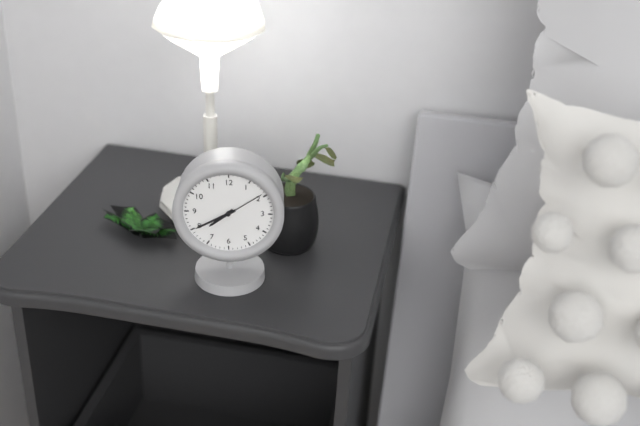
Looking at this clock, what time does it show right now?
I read 7:40
